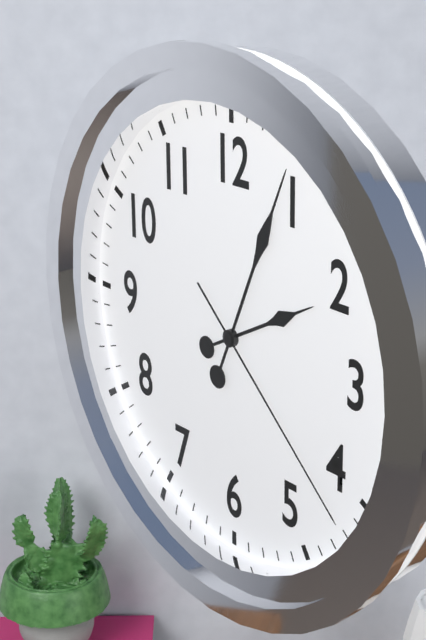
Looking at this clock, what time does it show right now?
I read 2:04:22
